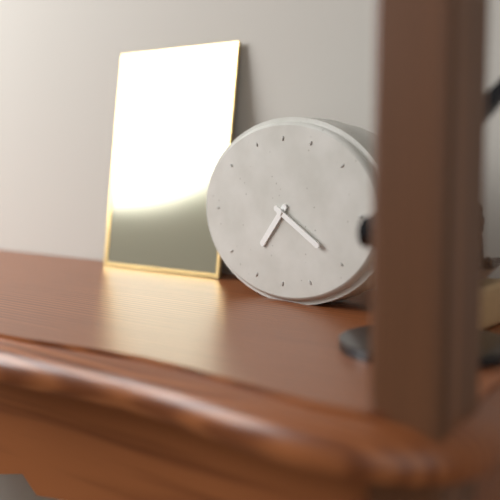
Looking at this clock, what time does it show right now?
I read 7:20
